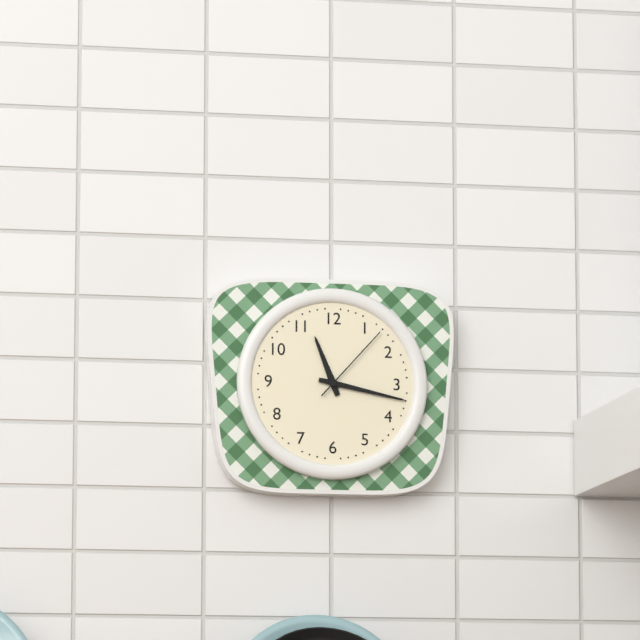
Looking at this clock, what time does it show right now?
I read 11:17:07
